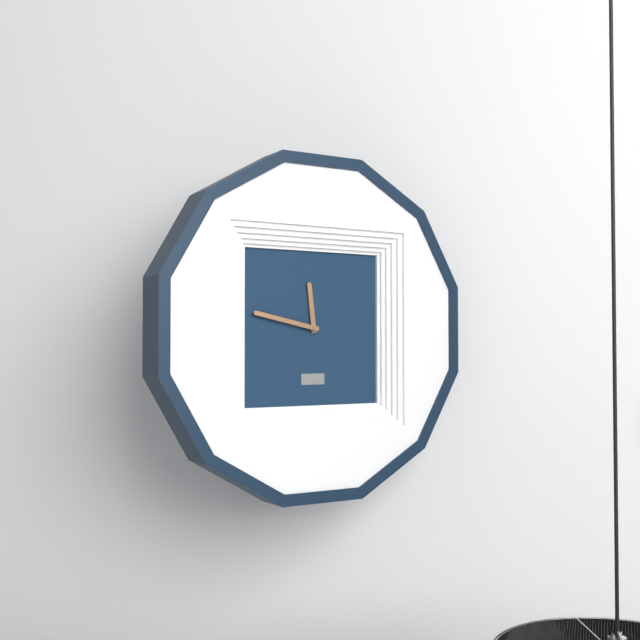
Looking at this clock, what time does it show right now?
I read 11:47
